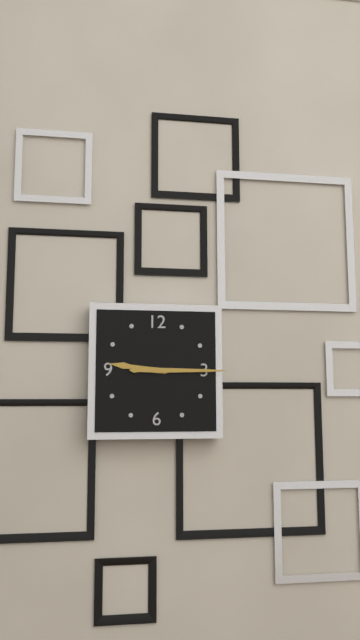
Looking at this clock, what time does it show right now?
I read 9:15
